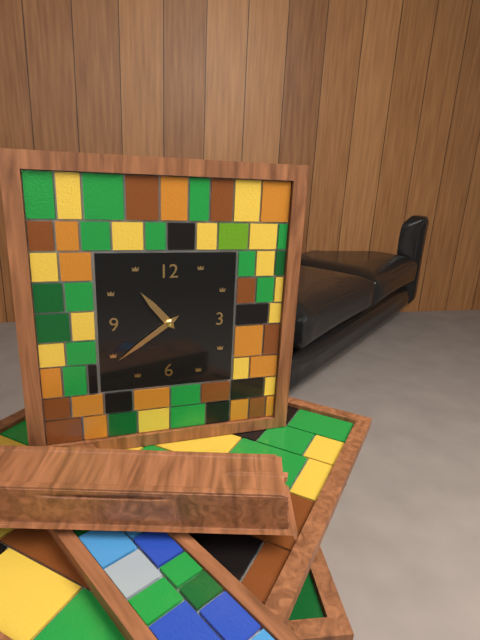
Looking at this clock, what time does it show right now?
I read 10:39
